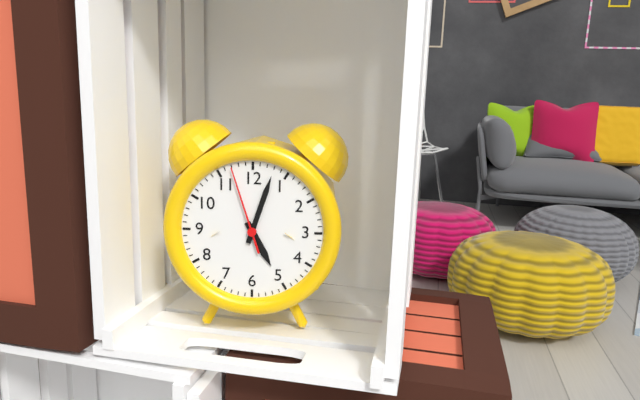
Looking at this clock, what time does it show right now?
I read 5:03:57
